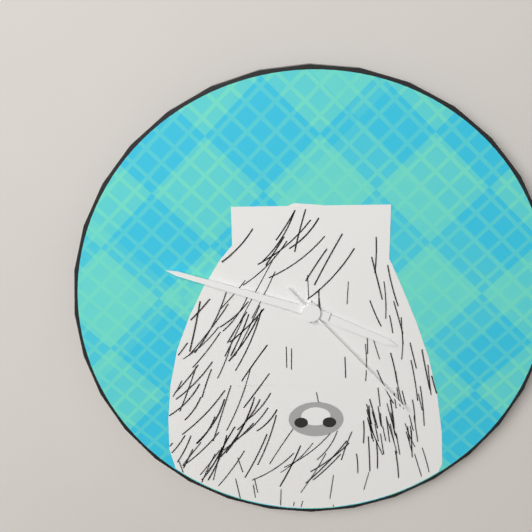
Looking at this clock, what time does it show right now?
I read 3:48:23
